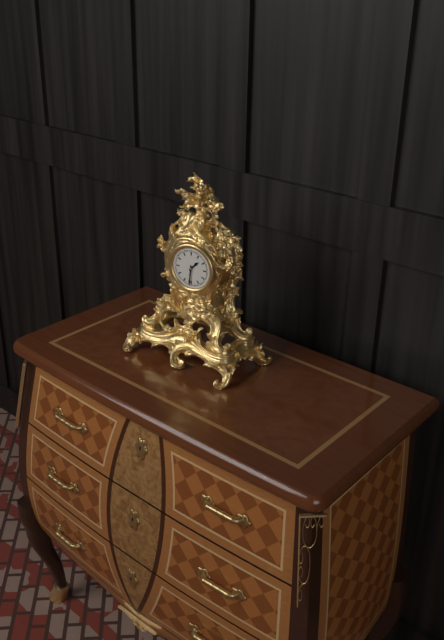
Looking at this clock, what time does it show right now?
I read 1:31
